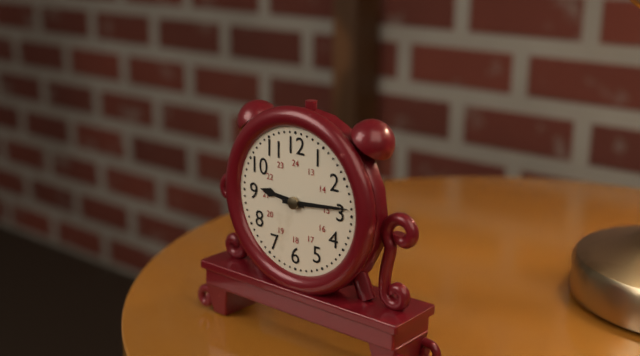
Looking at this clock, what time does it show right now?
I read 9:14
